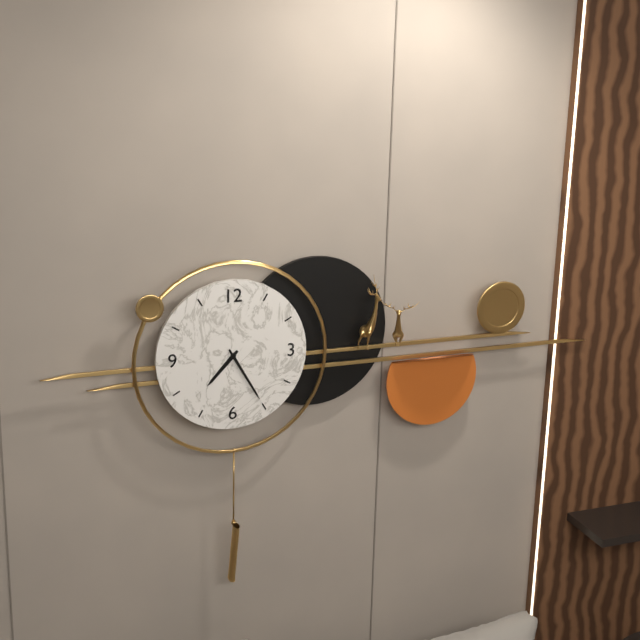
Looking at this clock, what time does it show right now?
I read 7:25
